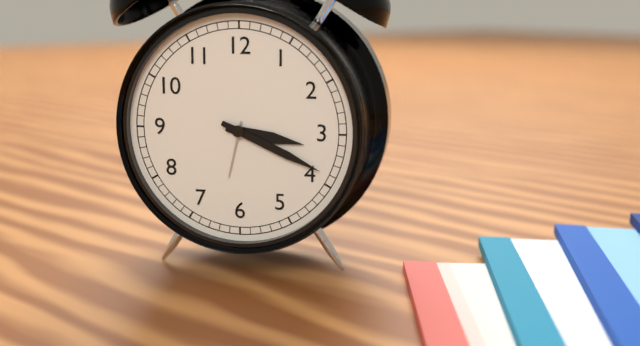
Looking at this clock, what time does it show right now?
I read 3:19
